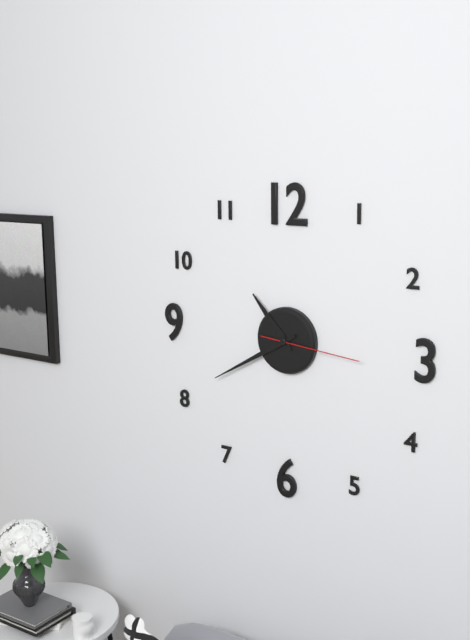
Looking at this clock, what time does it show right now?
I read 10:40:16
